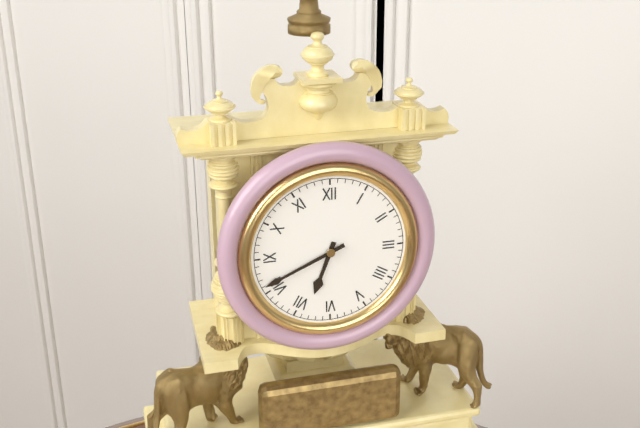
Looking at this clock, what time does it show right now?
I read 6:41
